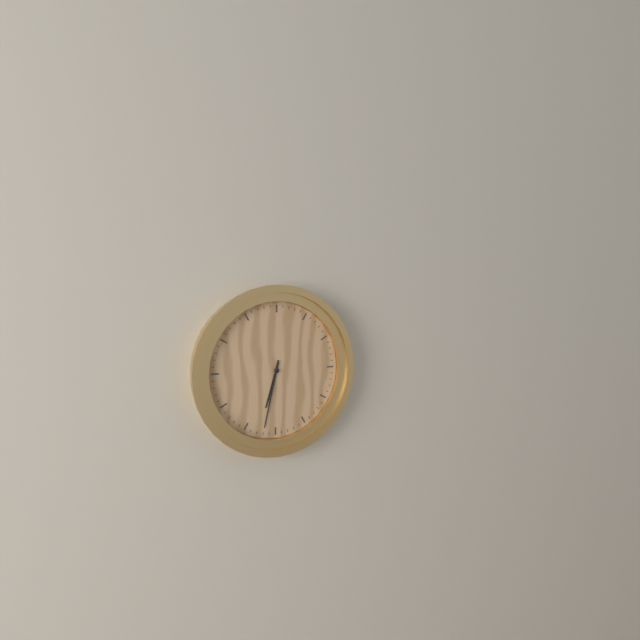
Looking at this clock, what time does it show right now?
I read 6:32
